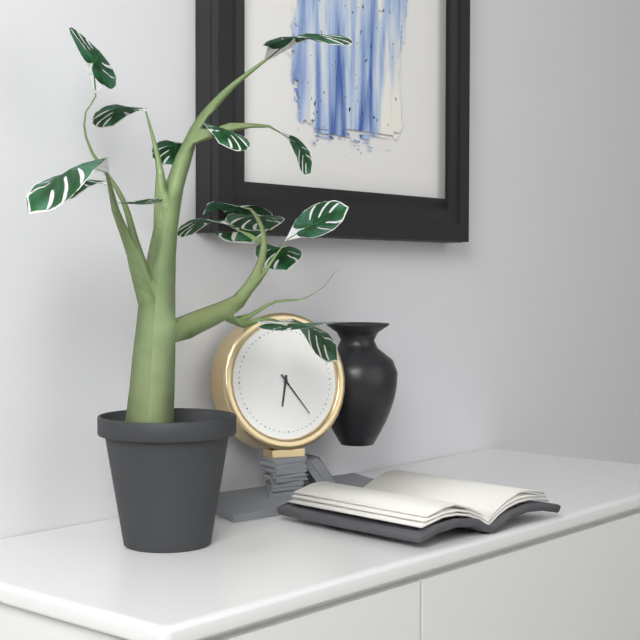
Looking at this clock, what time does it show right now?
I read 6:24
